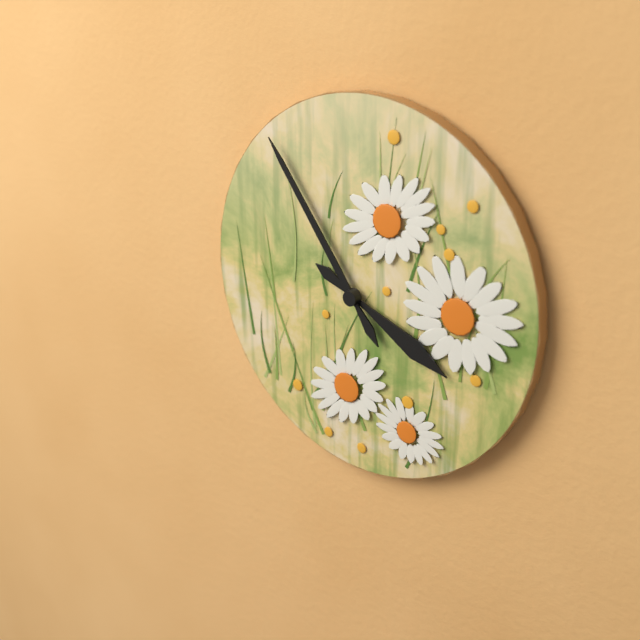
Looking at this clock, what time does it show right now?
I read 3:54
